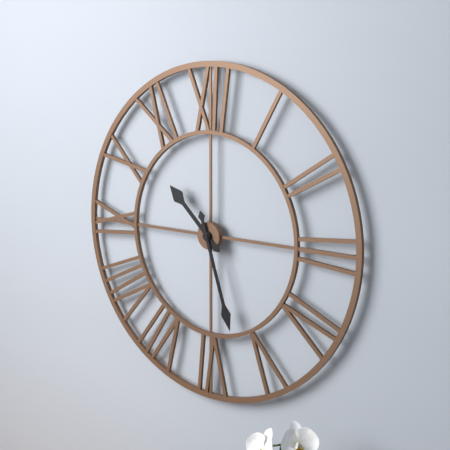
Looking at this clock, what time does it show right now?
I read 10:27
